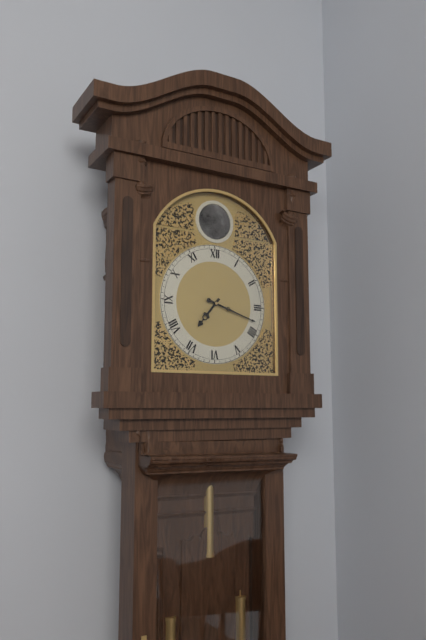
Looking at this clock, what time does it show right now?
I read 7:18
